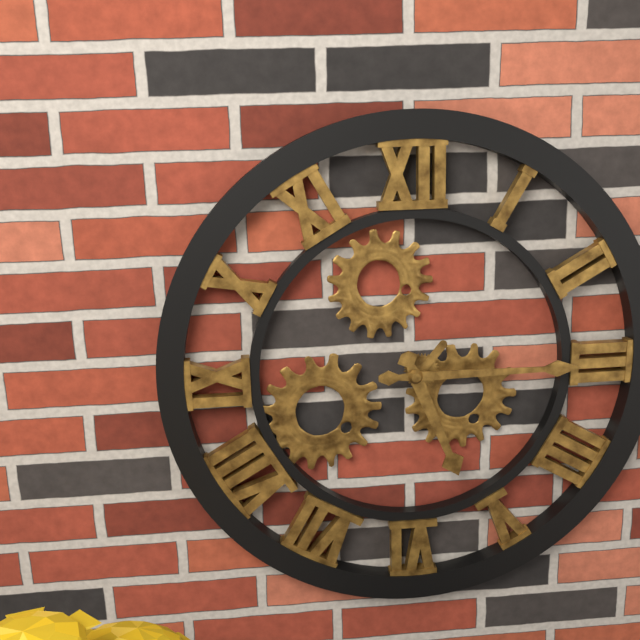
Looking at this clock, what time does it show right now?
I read 5:15
